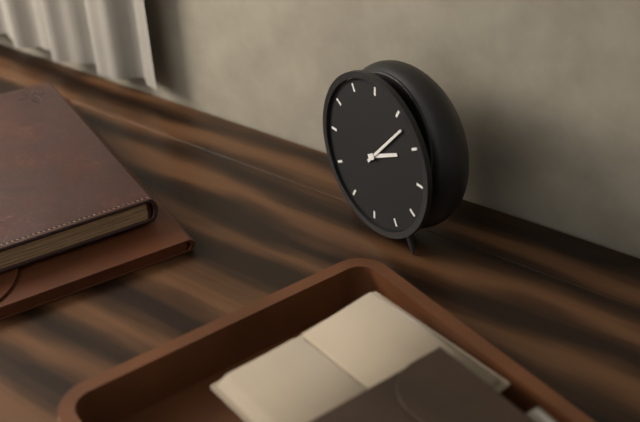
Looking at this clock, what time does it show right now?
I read 2:07
